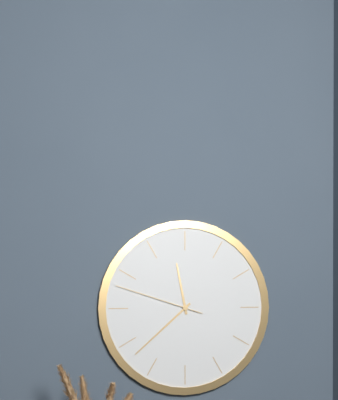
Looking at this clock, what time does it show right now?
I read 11:38:48
